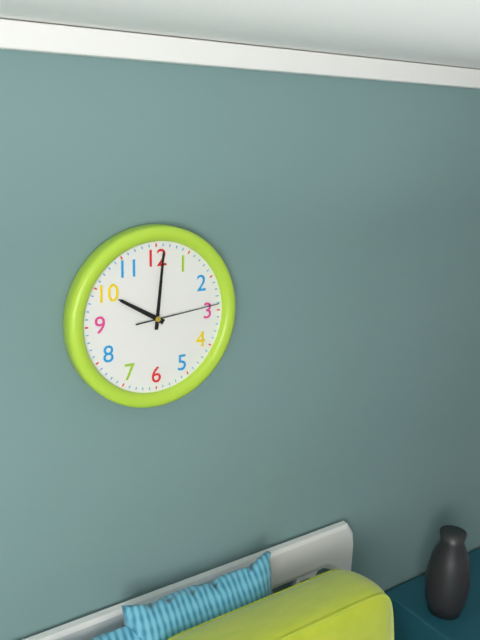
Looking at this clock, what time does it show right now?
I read 10:01:14
